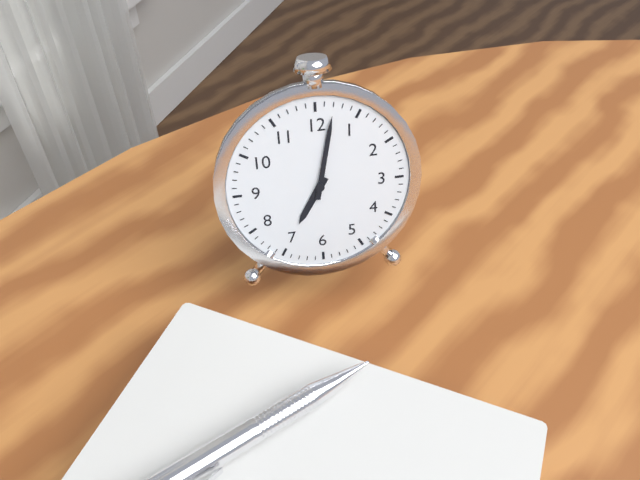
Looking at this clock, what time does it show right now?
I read 7:02
